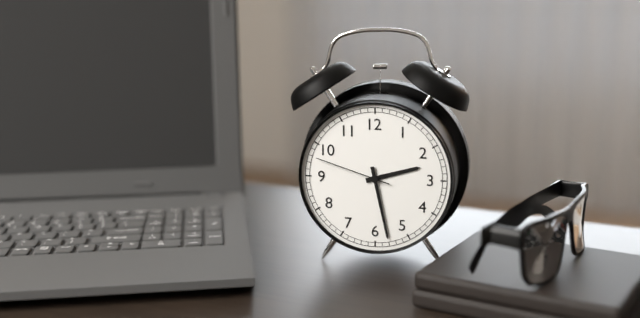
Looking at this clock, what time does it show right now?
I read 2:28:48
